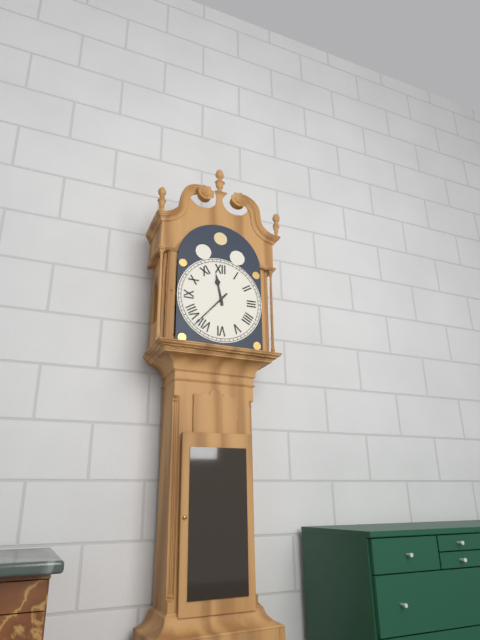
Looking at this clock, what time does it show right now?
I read 11:37
